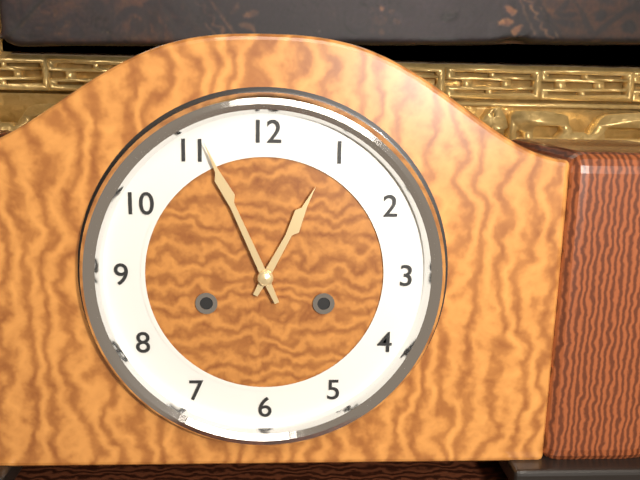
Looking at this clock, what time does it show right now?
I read 12:56
